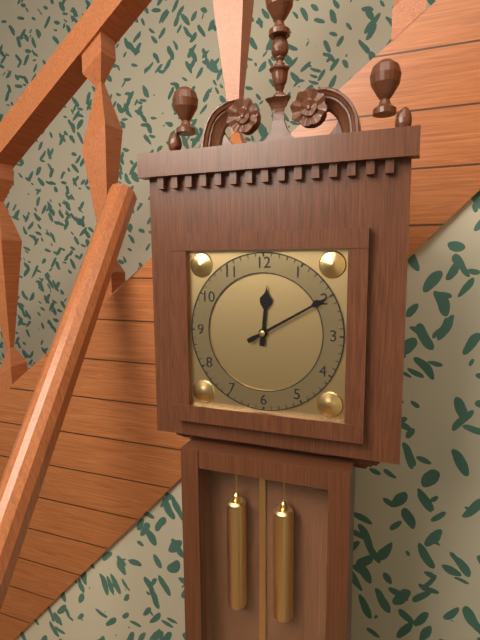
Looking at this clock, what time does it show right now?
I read 12:10
